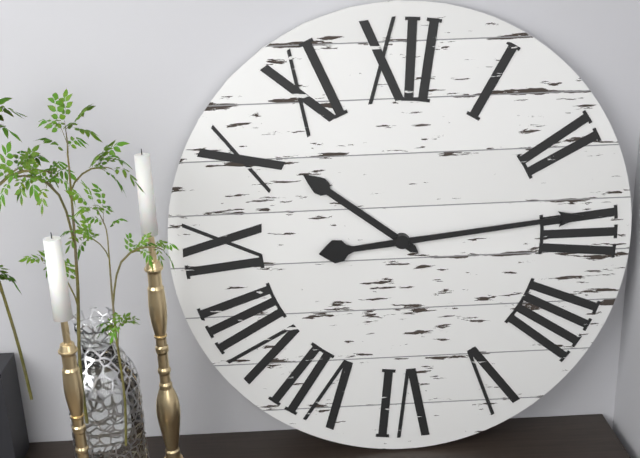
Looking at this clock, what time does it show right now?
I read 10:14
